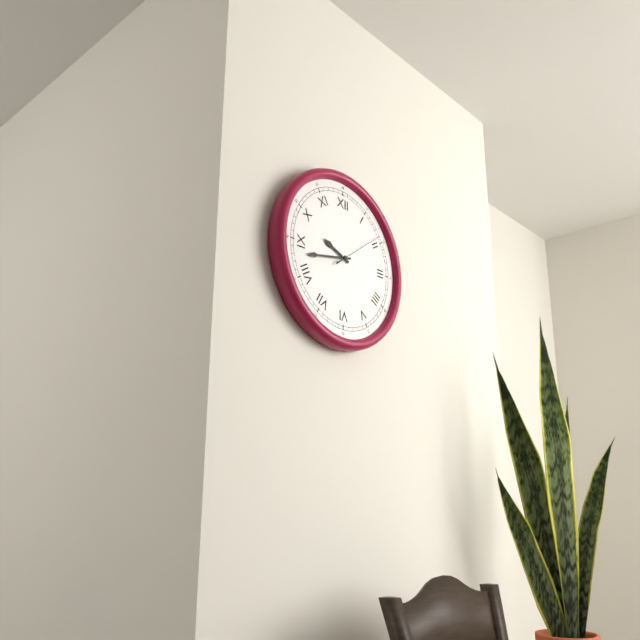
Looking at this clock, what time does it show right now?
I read 9:43:09
